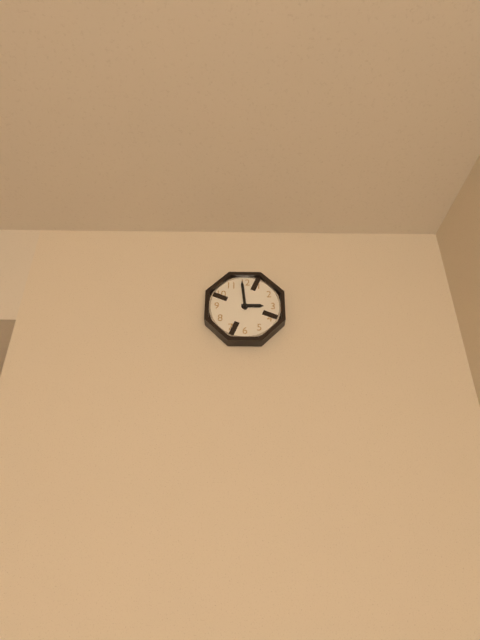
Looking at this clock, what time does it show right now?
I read 2:59
